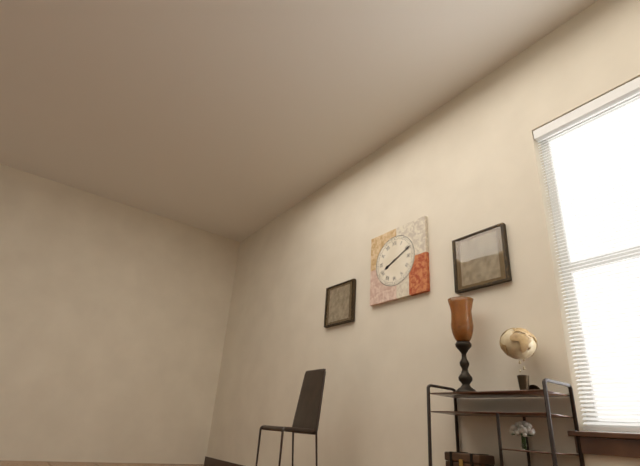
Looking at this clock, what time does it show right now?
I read 8:11
